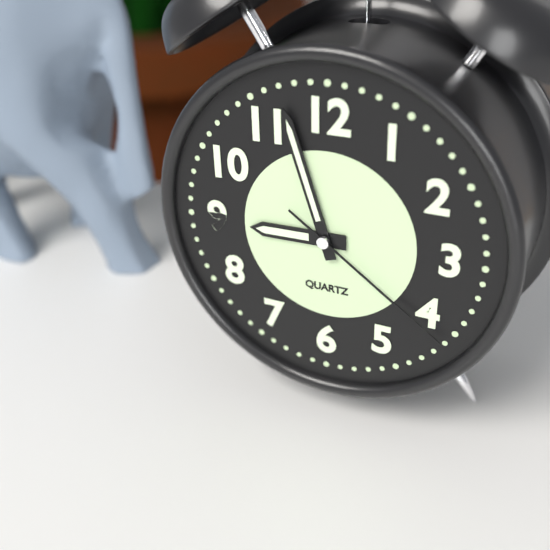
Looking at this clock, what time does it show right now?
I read 8:57:21
